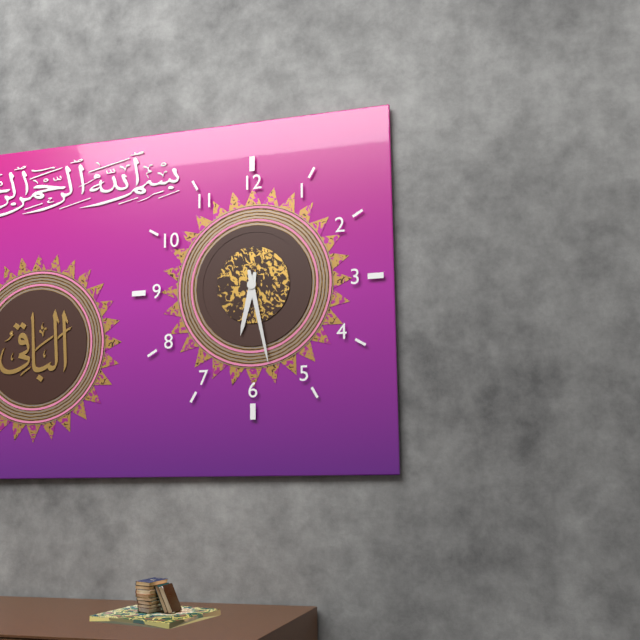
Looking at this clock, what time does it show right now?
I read 6:28
